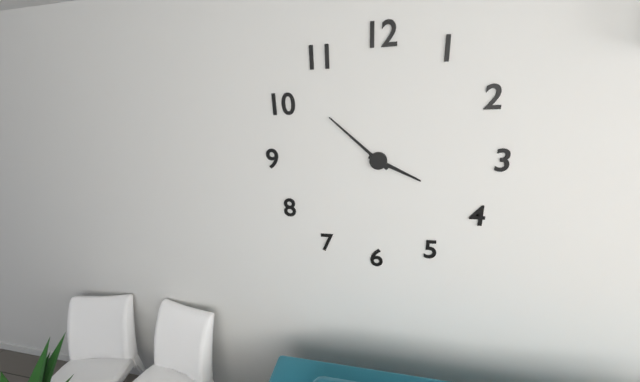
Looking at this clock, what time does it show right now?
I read 3:52
